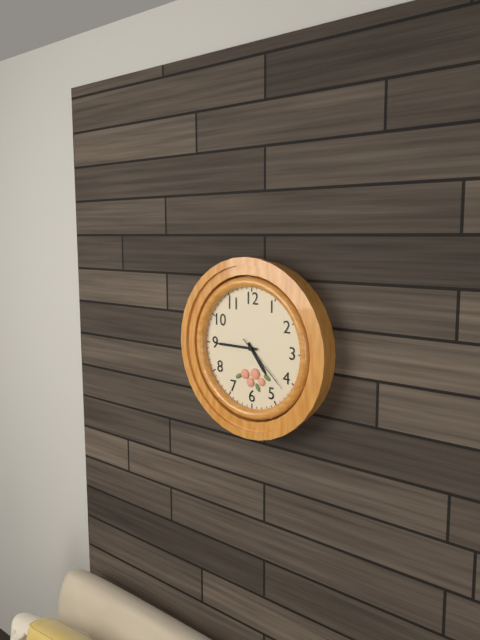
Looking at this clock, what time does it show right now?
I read 4:45:22
